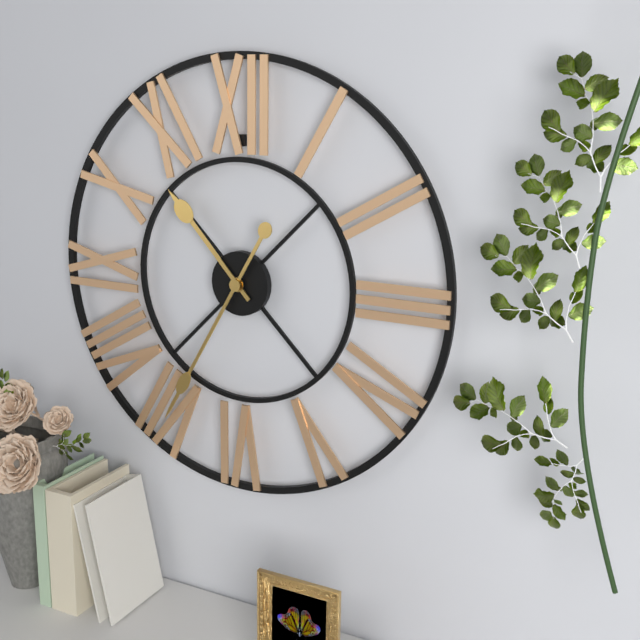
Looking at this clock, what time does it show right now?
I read 10:35
